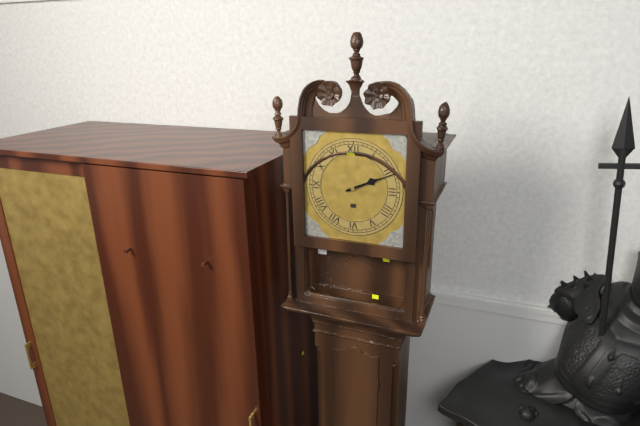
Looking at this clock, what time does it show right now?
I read 2:11
